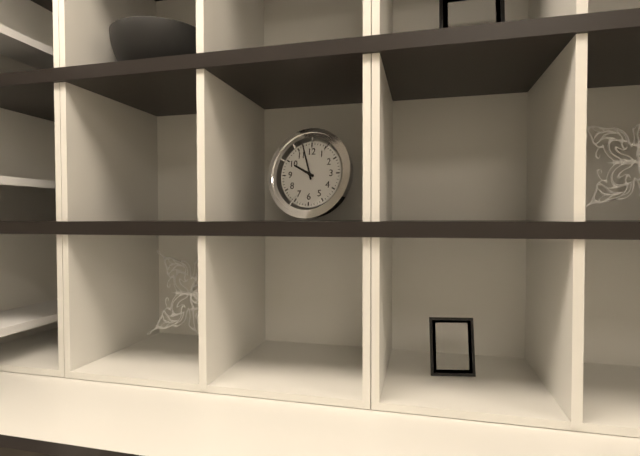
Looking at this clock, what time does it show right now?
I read 9:57
